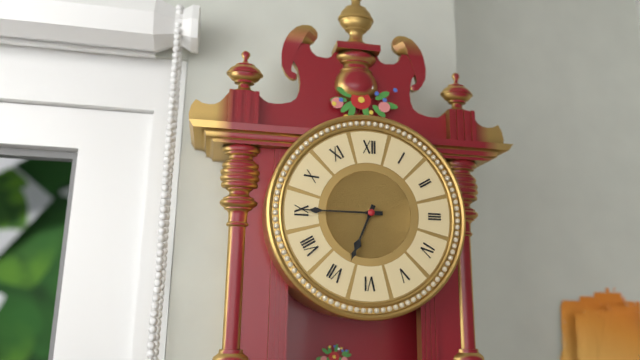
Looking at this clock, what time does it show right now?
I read 6:45
